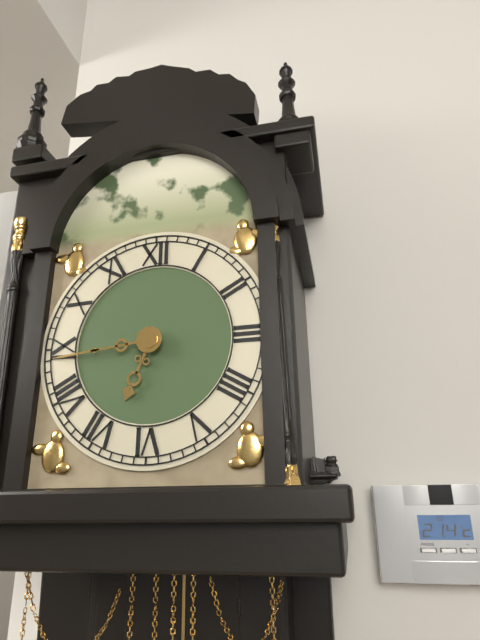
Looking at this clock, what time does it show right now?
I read 6:44
